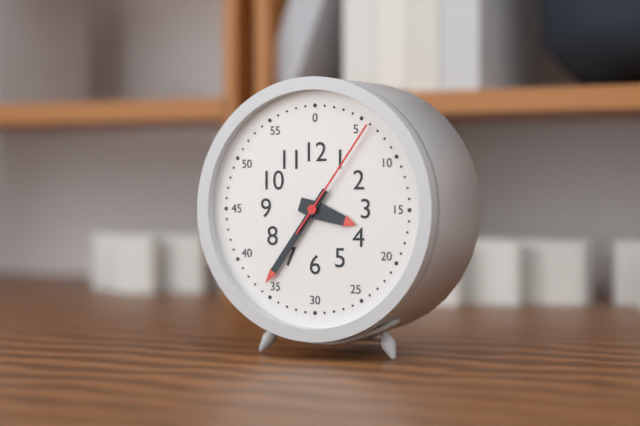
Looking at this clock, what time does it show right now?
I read 3:36:06
